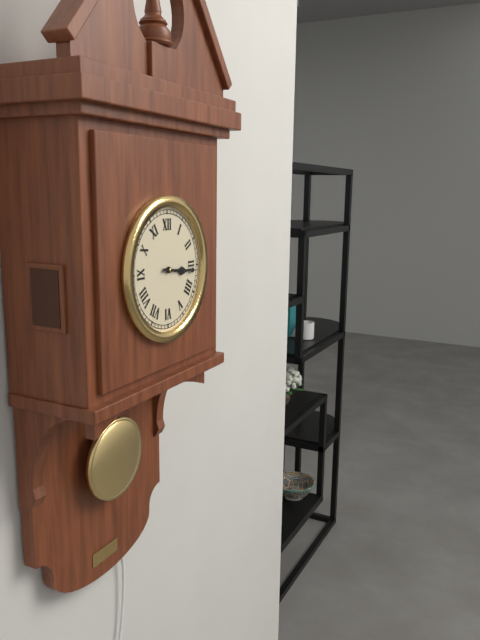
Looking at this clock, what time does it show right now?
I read 3:16
